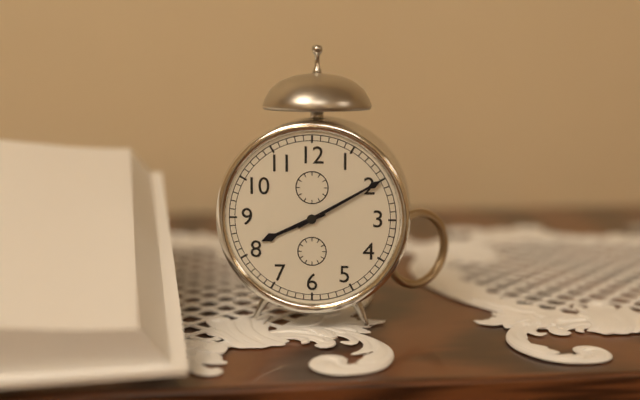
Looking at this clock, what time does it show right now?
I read 8:10
